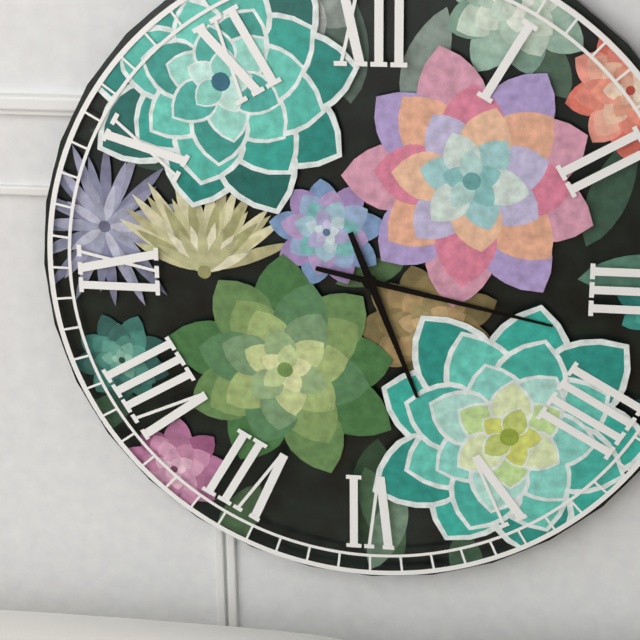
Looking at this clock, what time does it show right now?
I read 5:17
